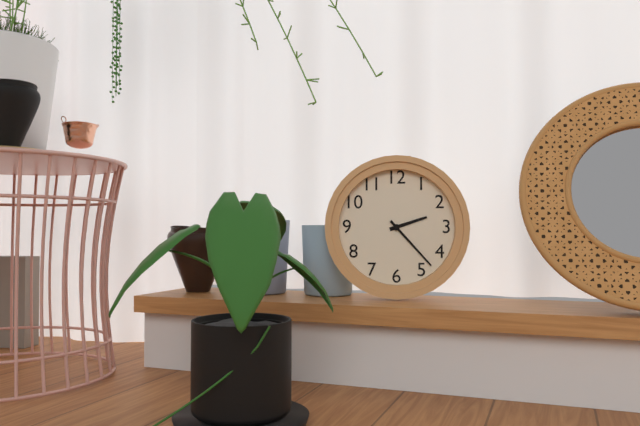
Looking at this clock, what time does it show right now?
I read 2:23
